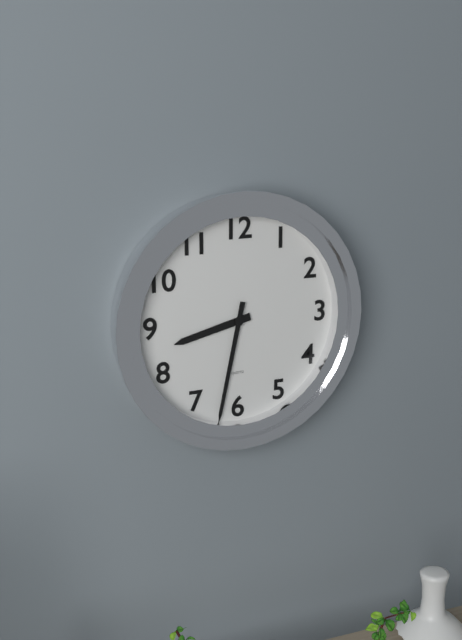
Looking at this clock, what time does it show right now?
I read 8:32
